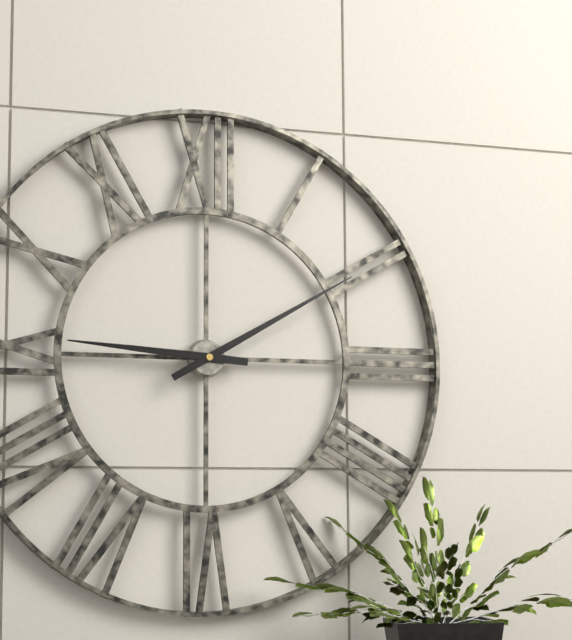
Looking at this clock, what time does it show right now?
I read 9:10
